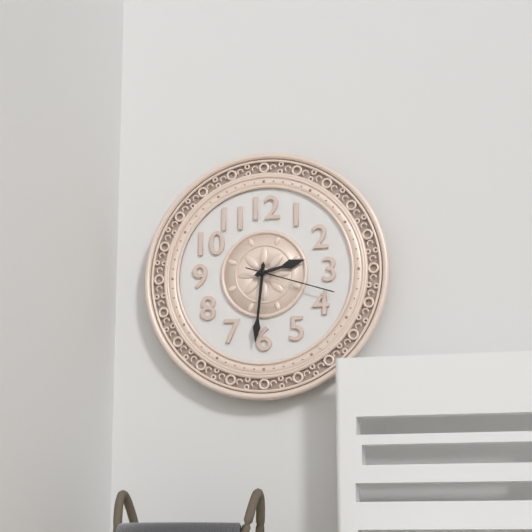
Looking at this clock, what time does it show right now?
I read 2:31:18
